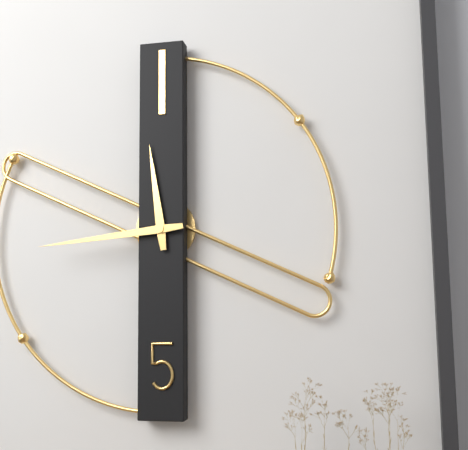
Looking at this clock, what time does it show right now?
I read 11:44
